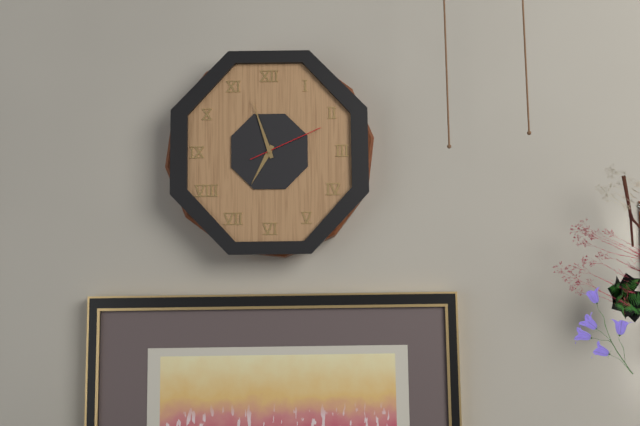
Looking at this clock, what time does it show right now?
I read 6:57:11
